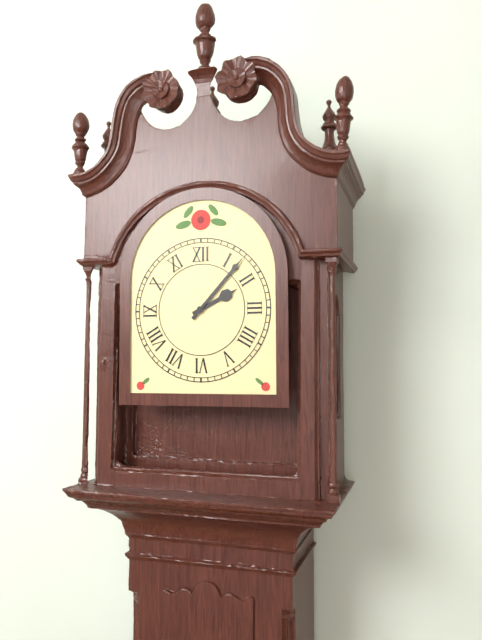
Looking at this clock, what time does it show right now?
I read 2:07
